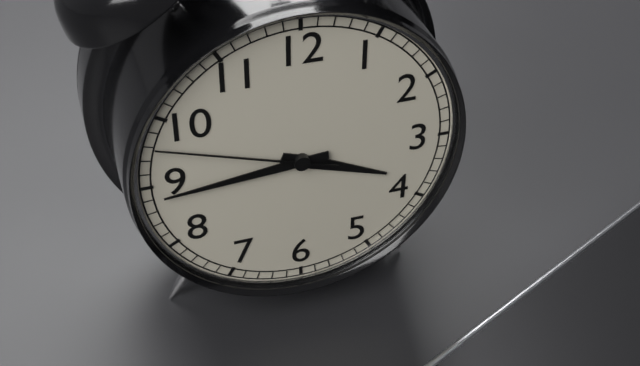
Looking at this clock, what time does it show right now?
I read 3:44:48
